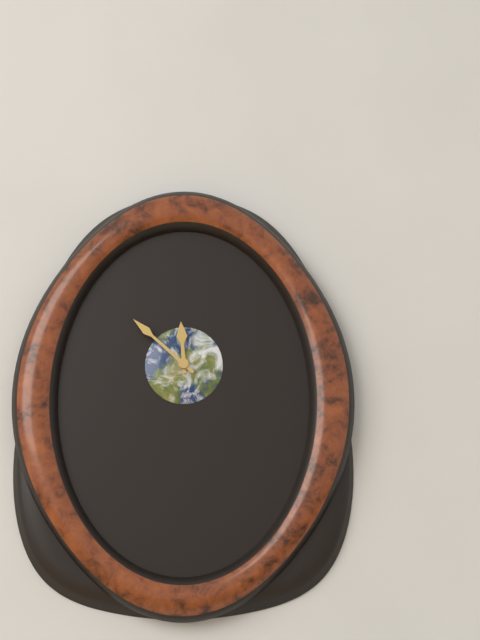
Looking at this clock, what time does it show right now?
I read 11:52
